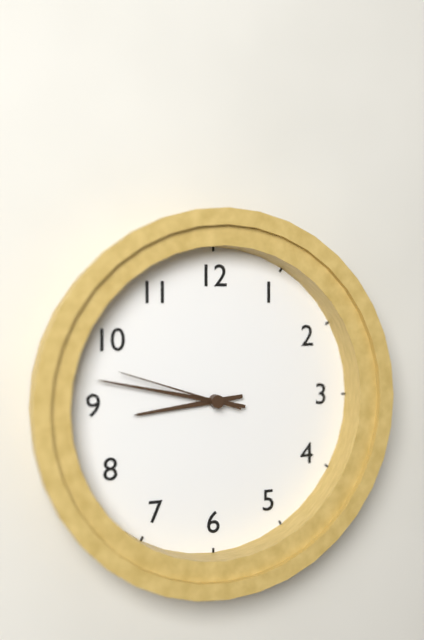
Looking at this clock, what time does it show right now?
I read 8:47:48
